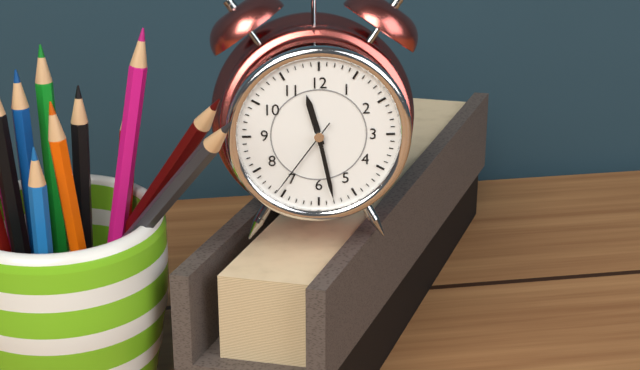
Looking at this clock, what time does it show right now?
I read 11:28:36
